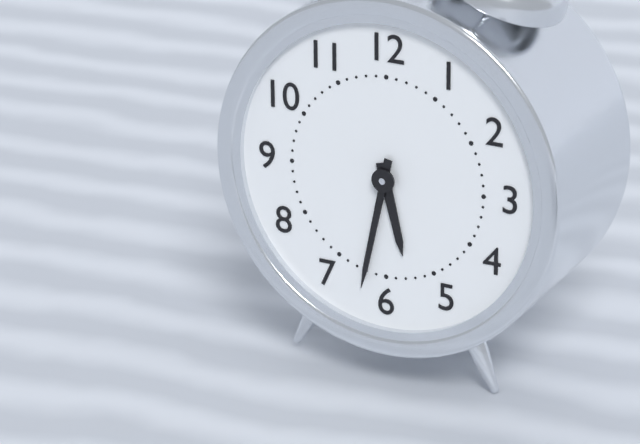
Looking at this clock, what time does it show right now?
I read 5:32
